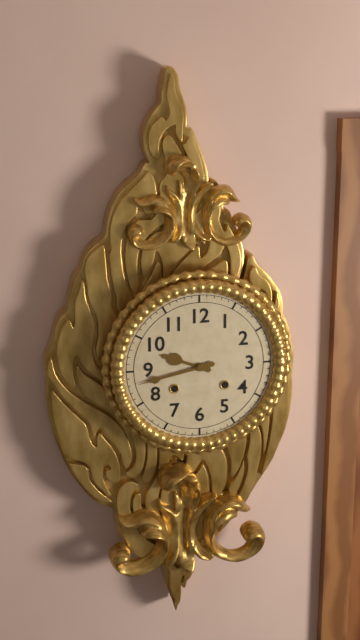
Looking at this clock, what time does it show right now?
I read 9:43
